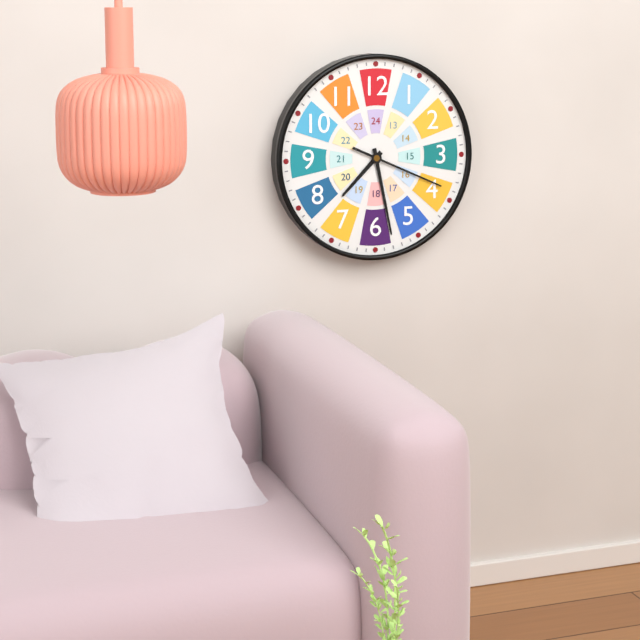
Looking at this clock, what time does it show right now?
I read 7:28:19
